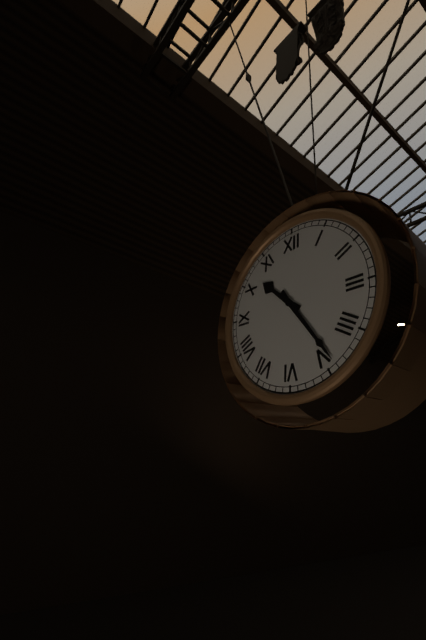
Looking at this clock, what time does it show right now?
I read 10:24
